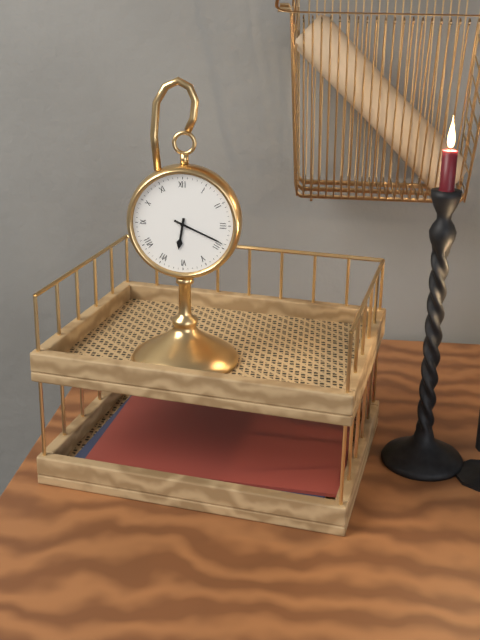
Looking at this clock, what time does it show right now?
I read 6:19
